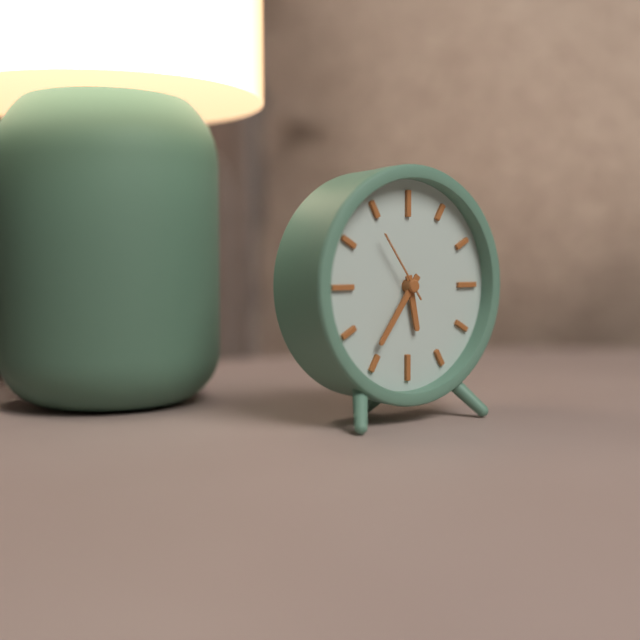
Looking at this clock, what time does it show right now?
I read 5:36:54
